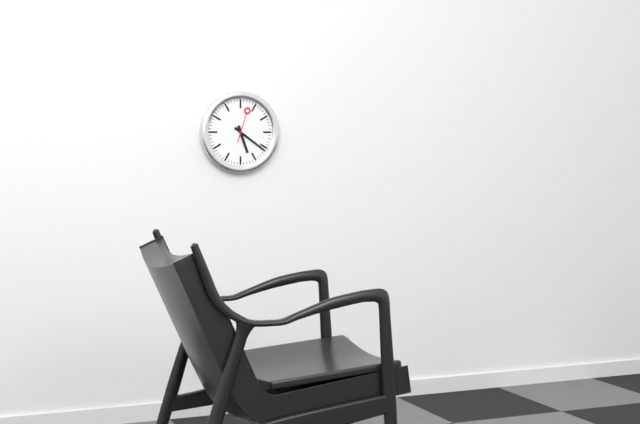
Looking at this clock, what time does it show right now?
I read 5:21
